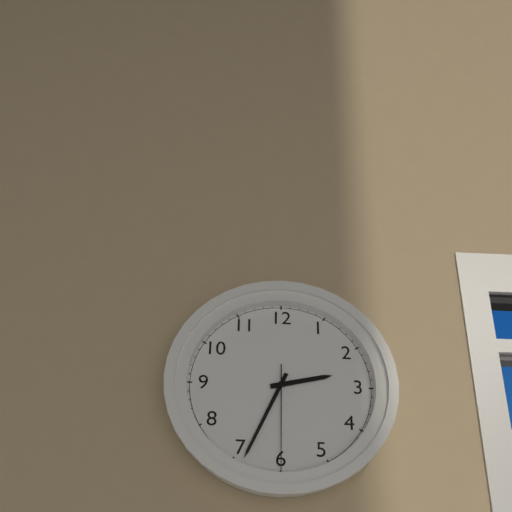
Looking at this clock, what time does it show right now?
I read 2:34:30
